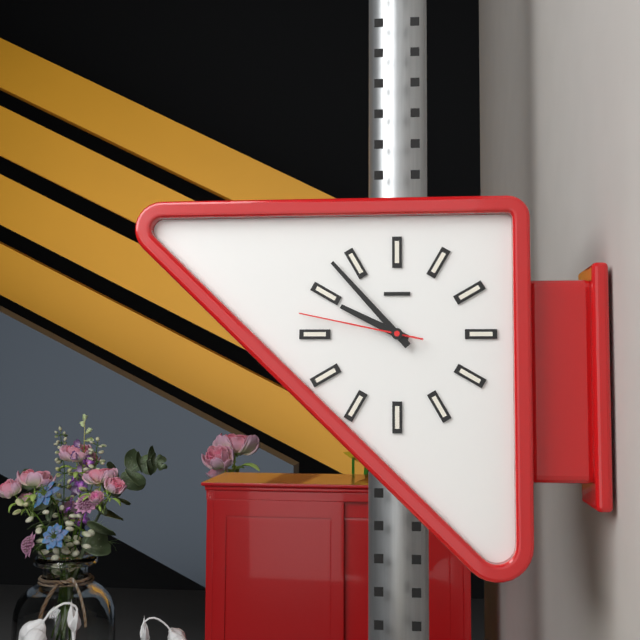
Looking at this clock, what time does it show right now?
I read 9:53:47
